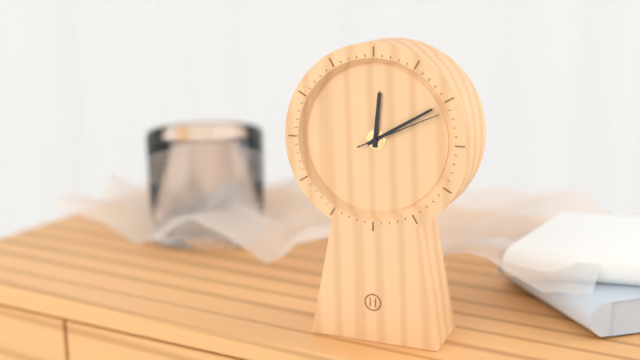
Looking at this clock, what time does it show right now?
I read 12:10:11
